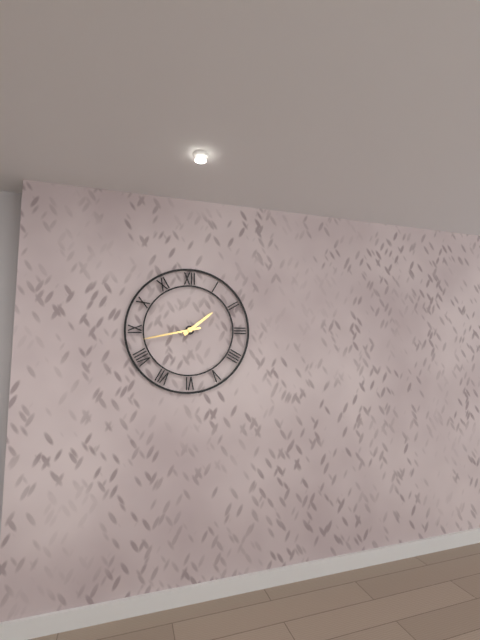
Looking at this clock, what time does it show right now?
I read 1:43
